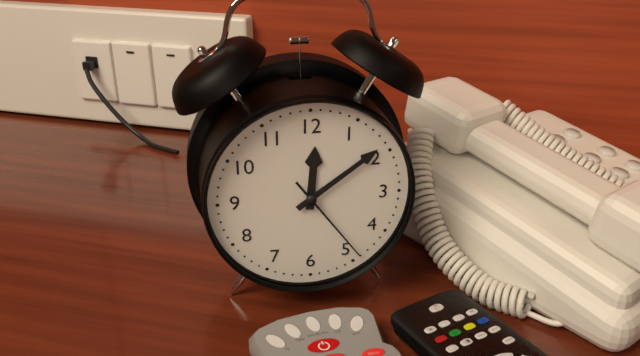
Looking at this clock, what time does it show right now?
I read 12:09:24
